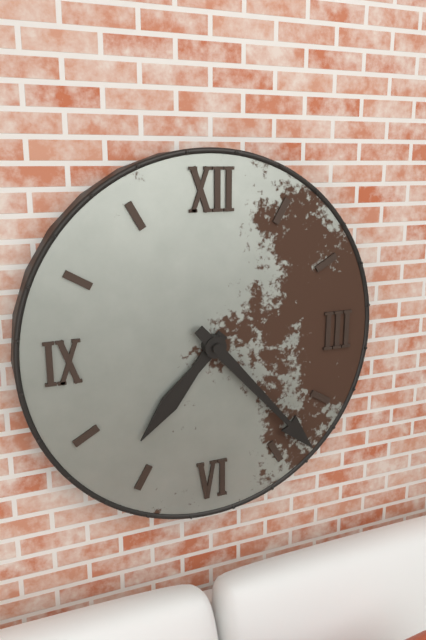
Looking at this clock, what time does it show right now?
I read 7:23
